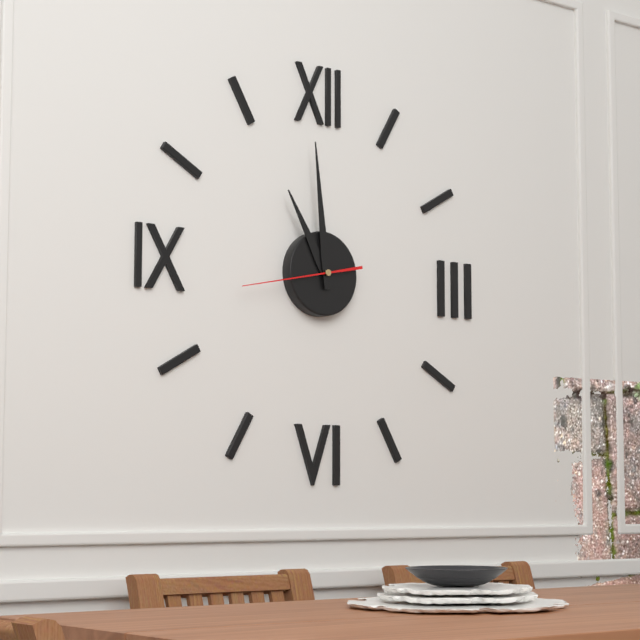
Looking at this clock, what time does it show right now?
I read 10:59:43
